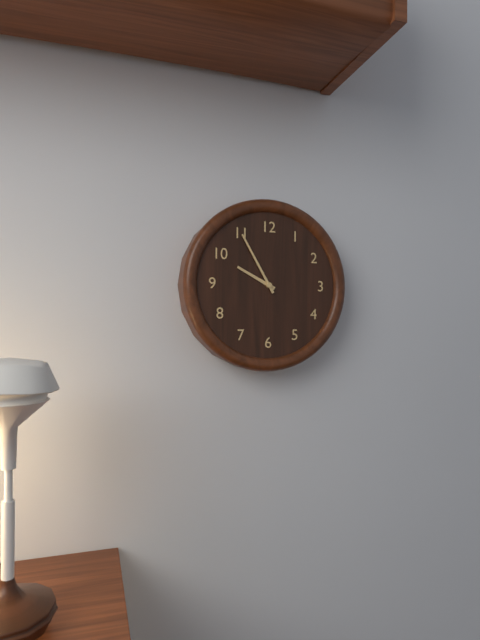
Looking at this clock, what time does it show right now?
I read 9:55
